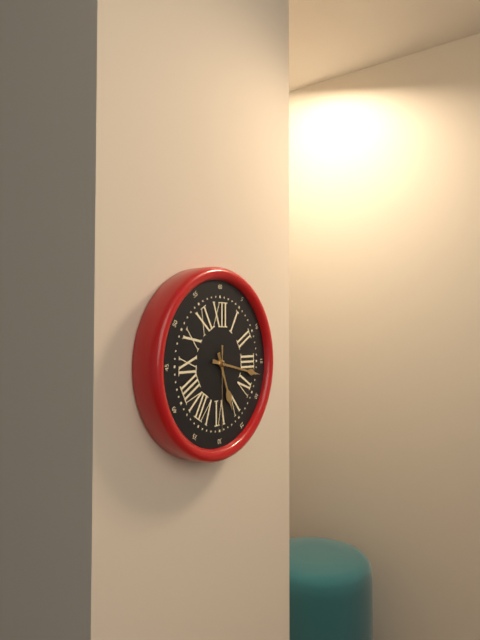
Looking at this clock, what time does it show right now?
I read 5:17:30
